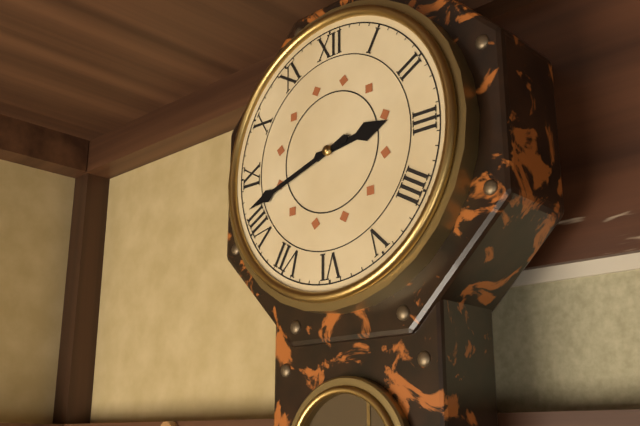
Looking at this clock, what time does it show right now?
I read 2:42
